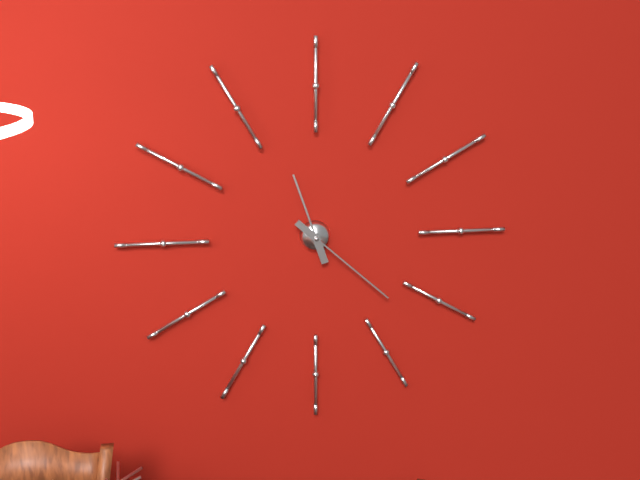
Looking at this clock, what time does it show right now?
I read 11:22
